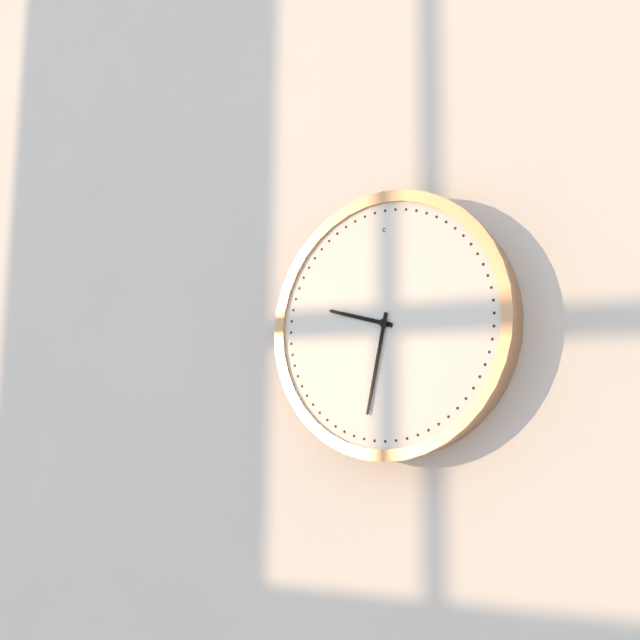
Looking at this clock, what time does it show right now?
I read 9:32
